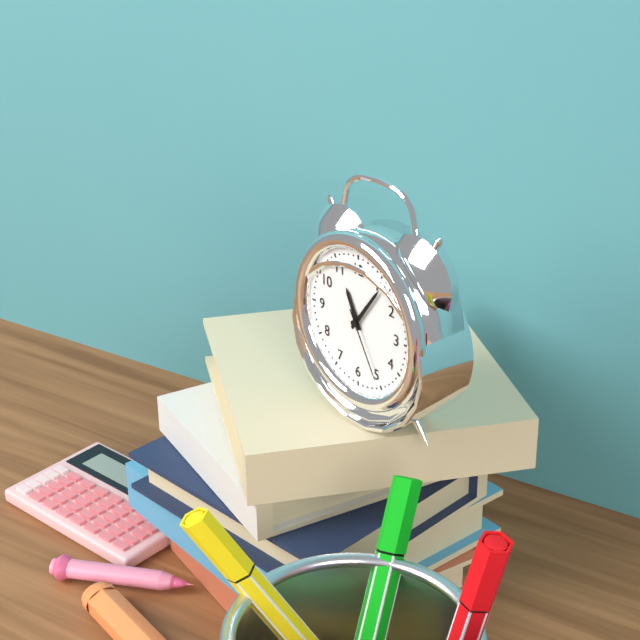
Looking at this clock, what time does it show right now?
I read 11:06:25
